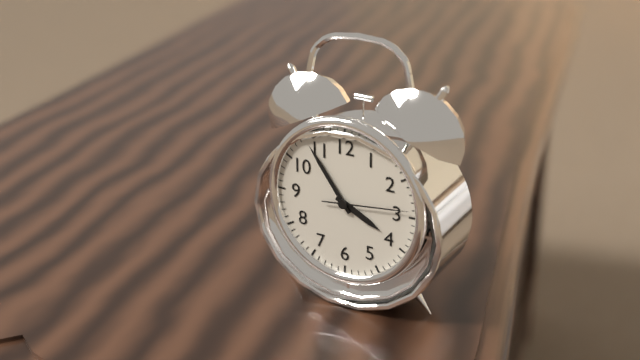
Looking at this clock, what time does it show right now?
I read 3:54:14
